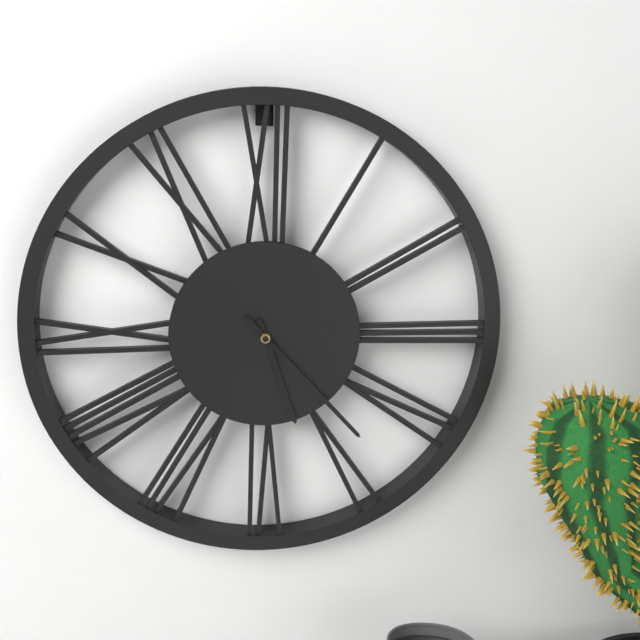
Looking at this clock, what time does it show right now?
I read 5:23
